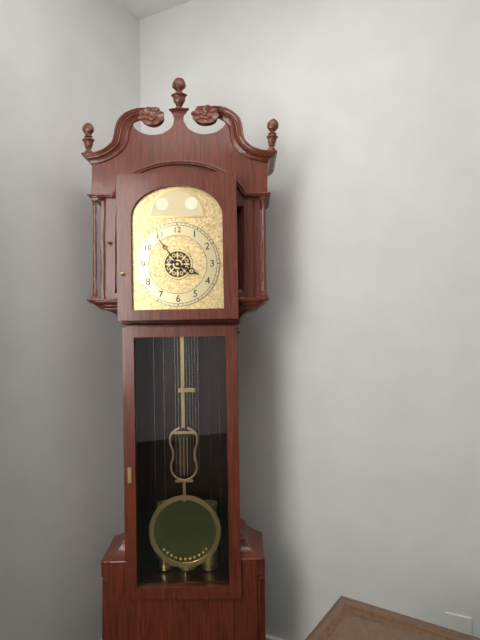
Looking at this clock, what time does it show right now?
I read 3:54
